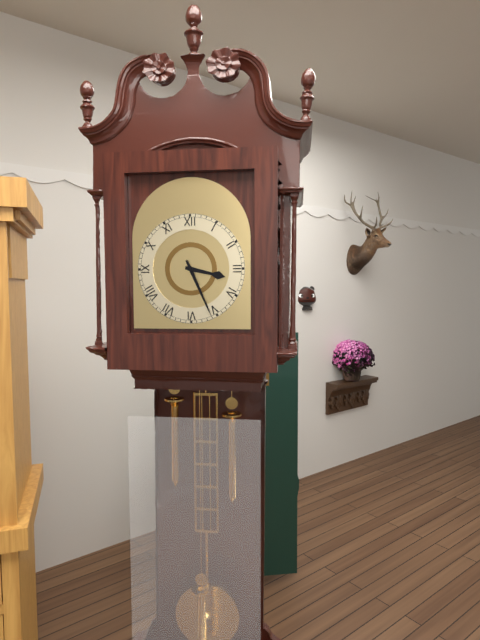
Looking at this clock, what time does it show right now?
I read 3:26
